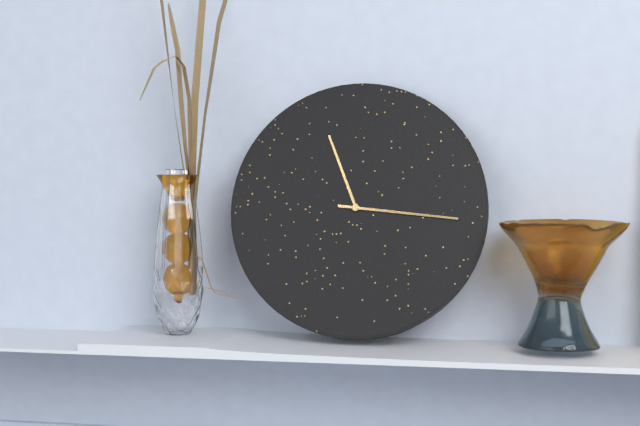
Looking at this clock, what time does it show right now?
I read 11:16
